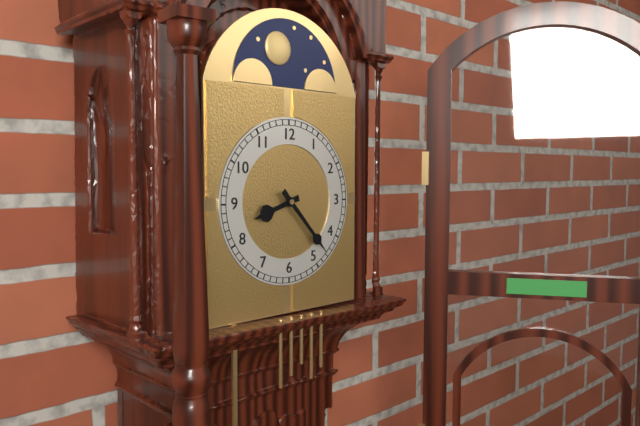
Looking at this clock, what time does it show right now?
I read 8:23
